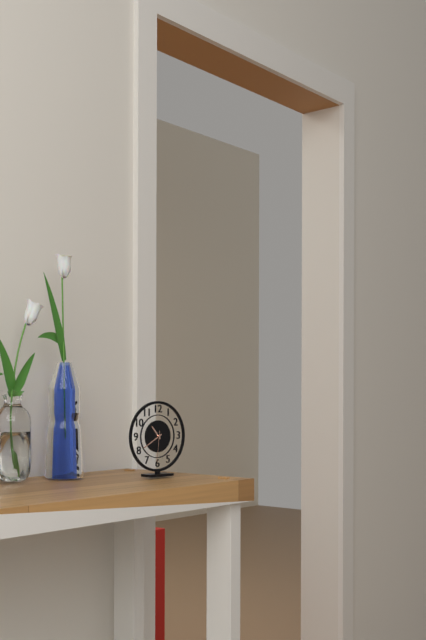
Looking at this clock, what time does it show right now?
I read 10:40
